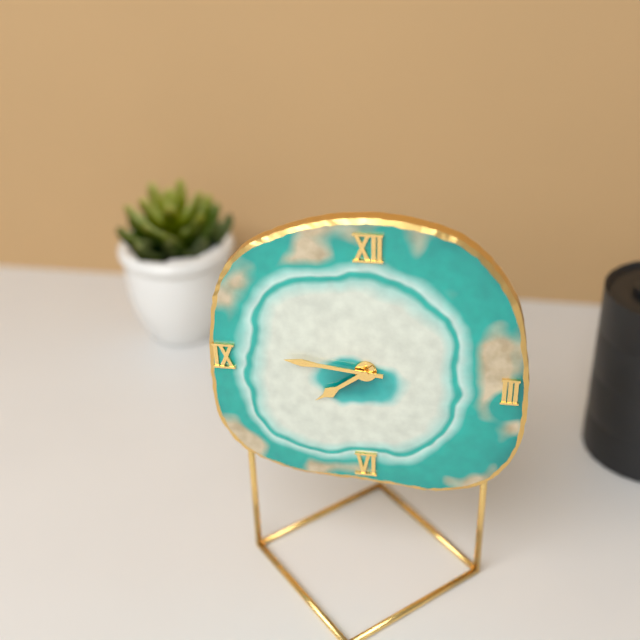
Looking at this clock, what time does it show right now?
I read 7:46
